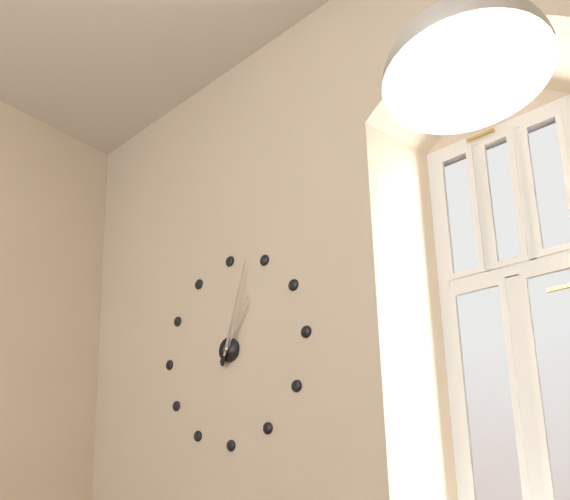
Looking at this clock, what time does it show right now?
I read 1:03
